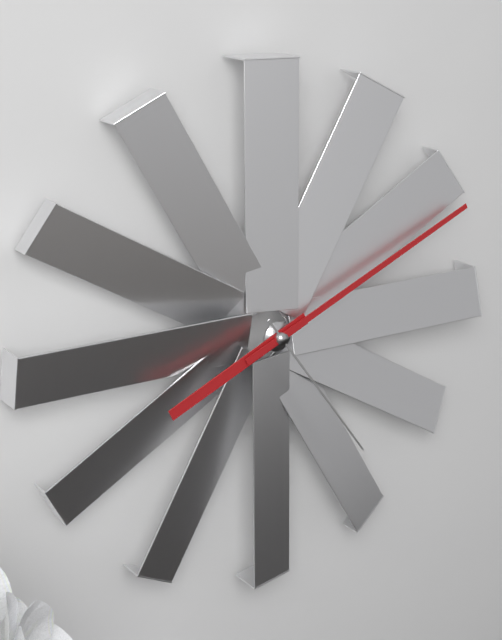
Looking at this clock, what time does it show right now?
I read 8:11:24
